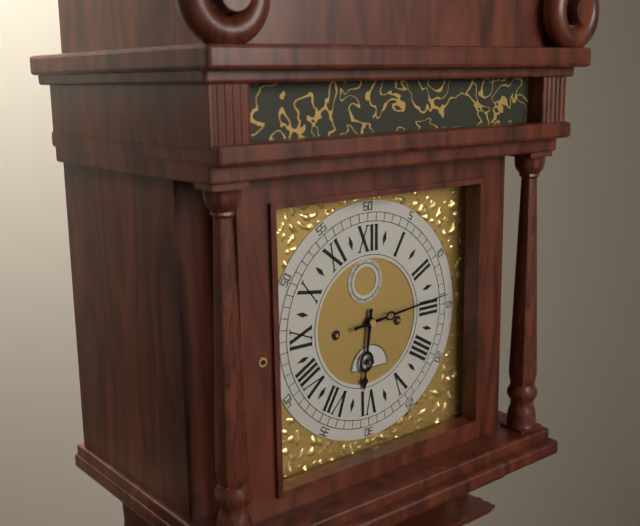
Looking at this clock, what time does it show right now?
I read 6:14
